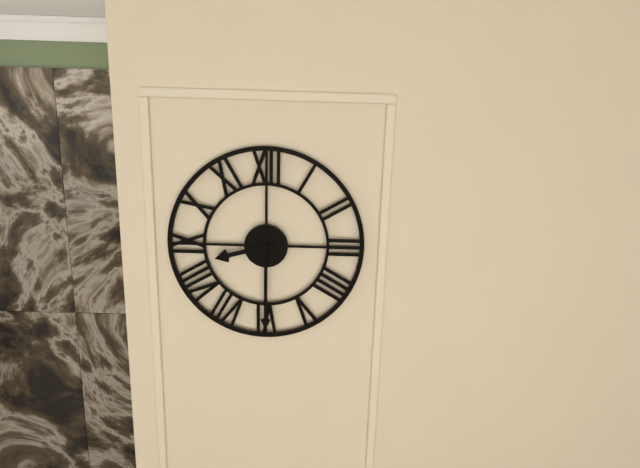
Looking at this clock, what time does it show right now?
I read 8:30
